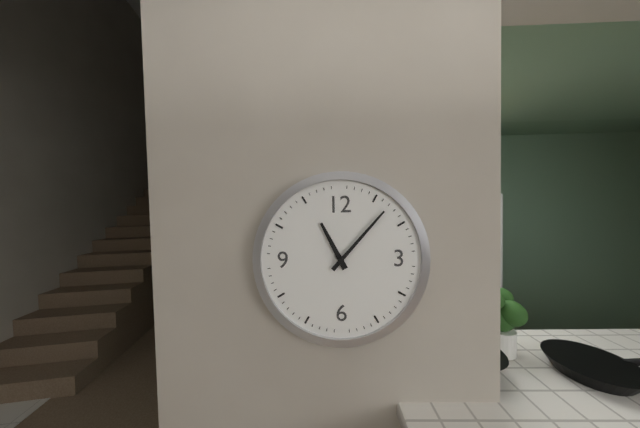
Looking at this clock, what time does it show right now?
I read 11:07
